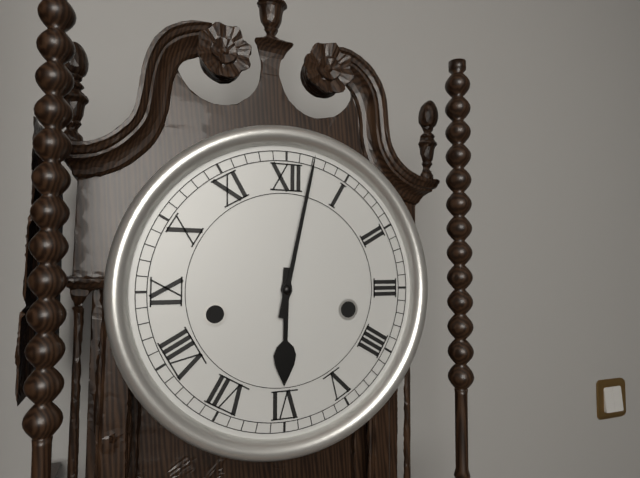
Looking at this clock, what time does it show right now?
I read 6:02
